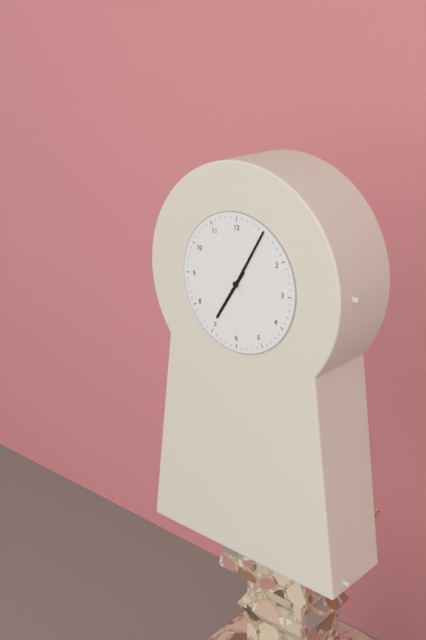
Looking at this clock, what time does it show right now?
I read 7:05
